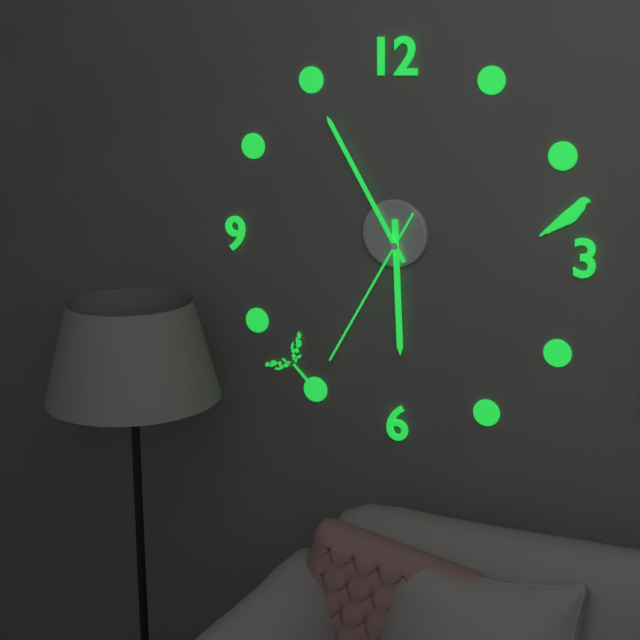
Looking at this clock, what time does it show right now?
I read 5:55:35
